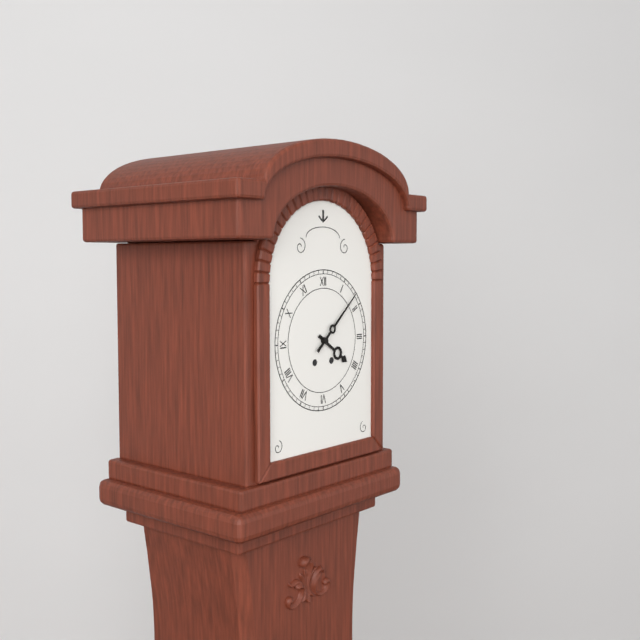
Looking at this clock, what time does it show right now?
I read 4:08
